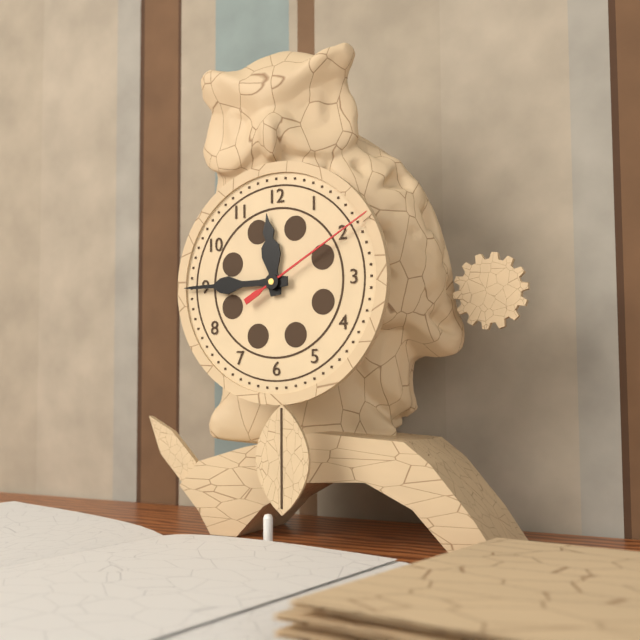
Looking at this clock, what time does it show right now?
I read 11:45:10
